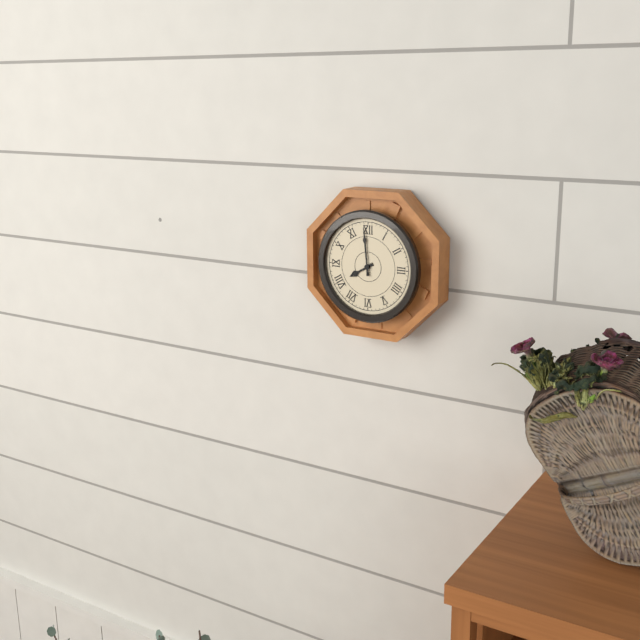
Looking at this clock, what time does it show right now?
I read 7:59
